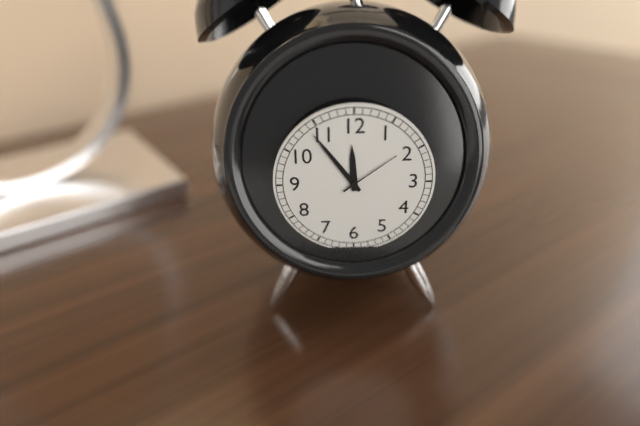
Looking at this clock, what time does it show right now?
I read 11:54:09
